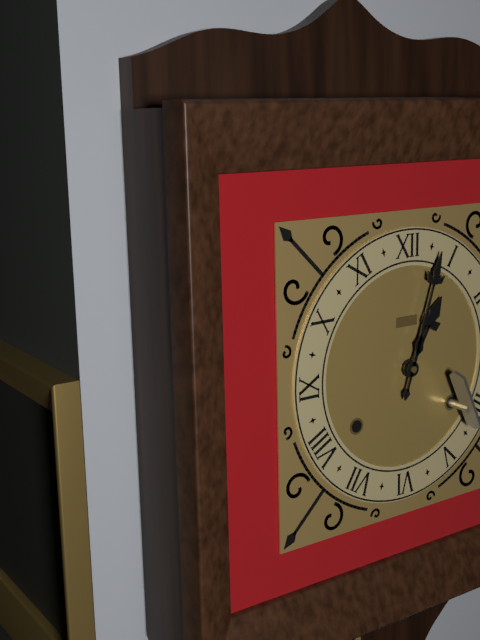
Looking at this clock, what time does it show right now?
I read 1:03
